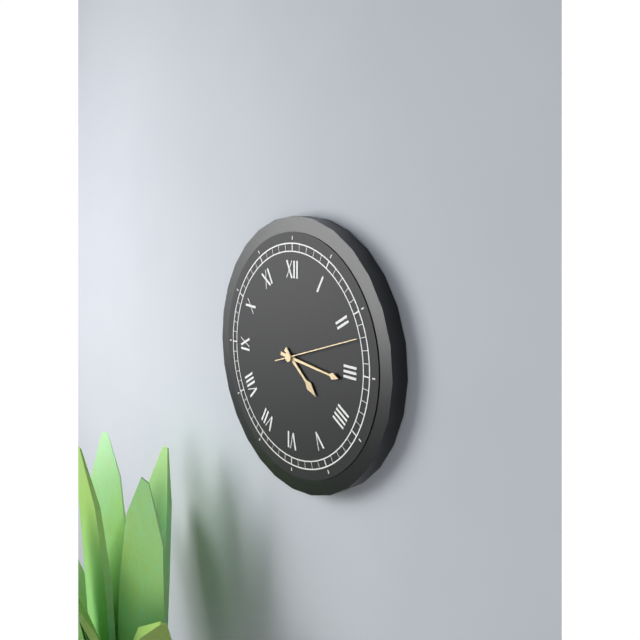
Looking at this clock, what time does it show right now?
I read 4:16:12
